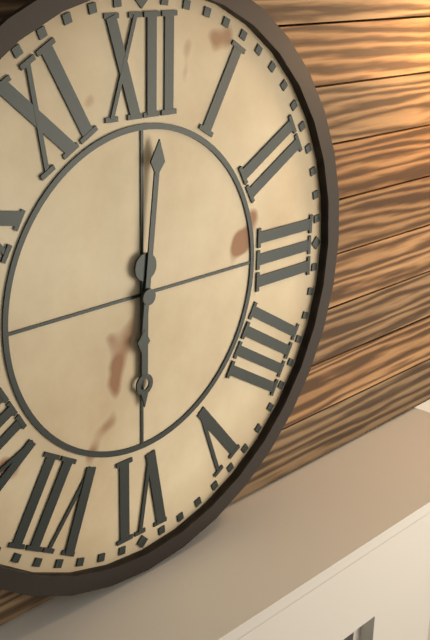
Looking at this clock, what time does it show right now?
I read 6:01
